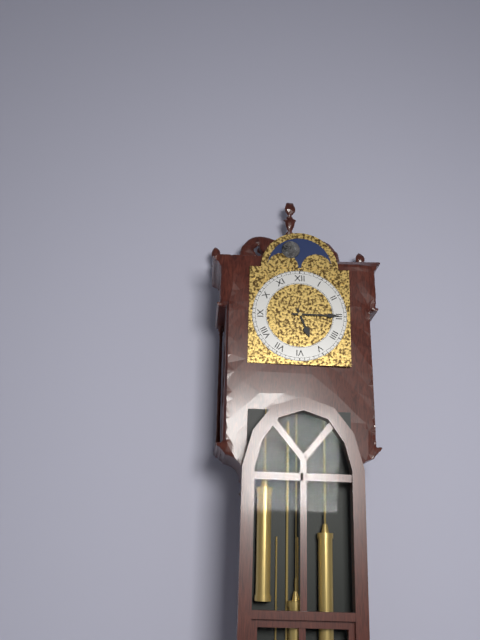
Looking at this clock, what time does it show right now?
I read 5:15
